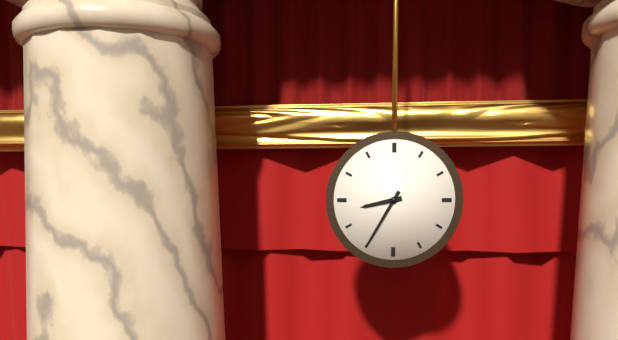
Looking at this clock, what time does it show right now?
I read 8:35
